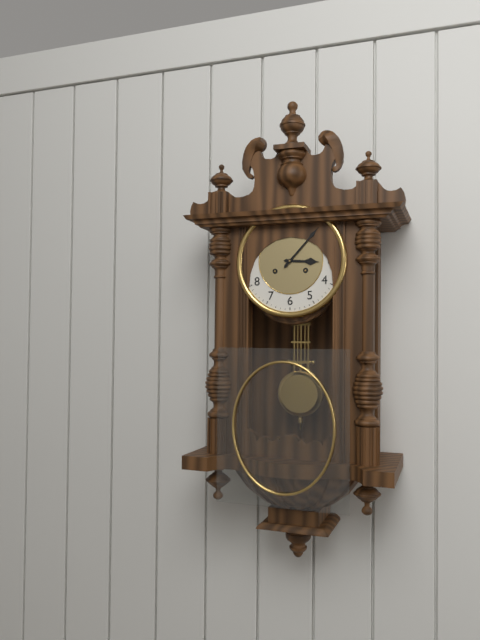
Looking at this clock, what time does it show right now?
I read 3:07
